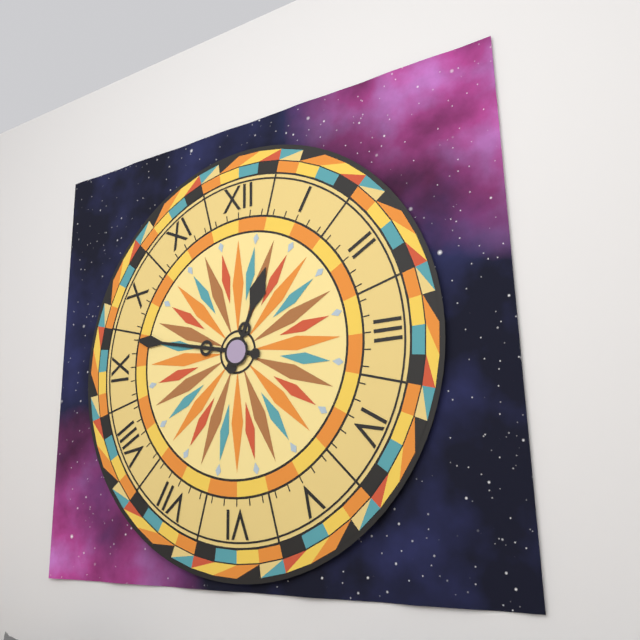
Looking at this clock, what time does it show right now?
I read 12:47
